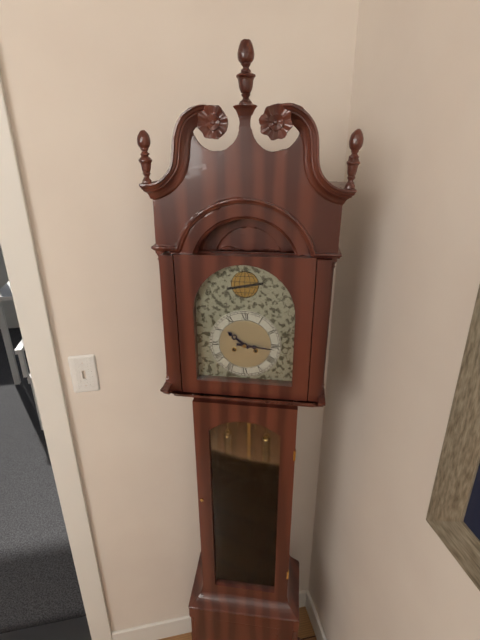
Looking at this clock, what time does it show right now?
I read 10:16
